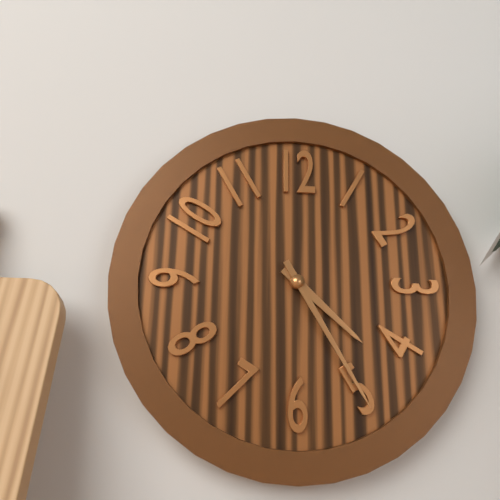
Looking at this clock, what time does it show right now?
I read 4:25
